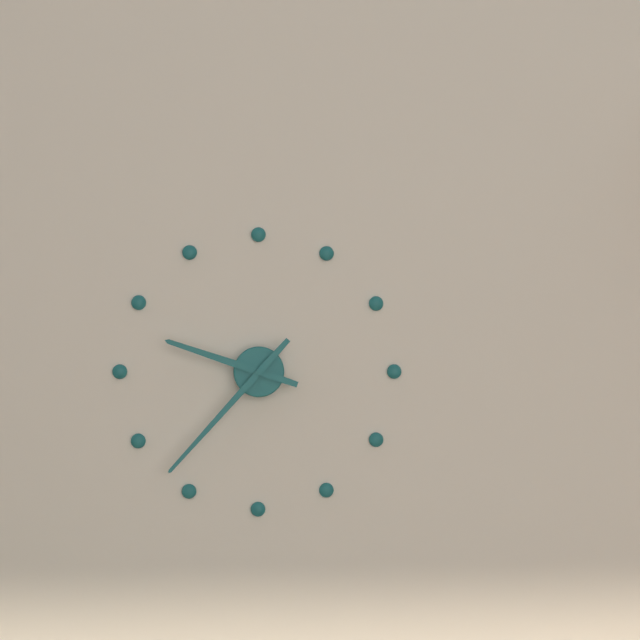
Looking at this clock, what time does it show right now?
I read 9:37
